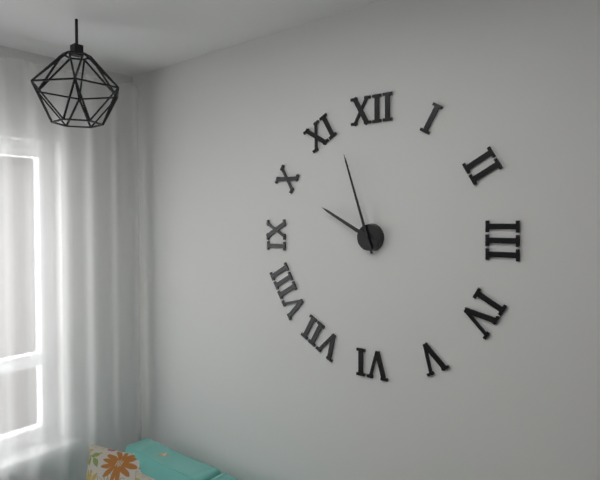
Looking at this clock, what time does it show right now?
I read 9:57
